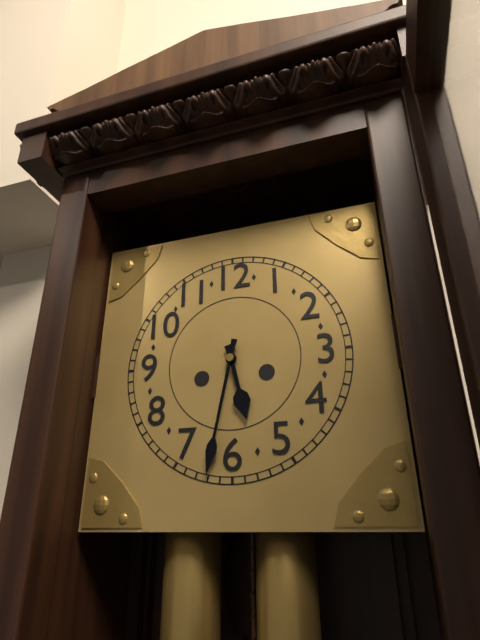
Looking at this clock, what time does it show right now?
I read 5:32
